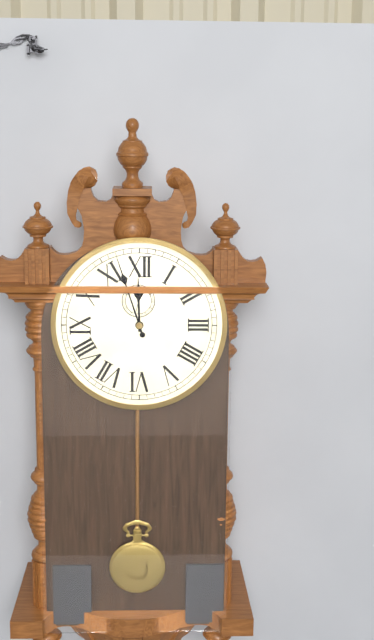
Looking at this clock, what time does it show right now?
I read 11:57
